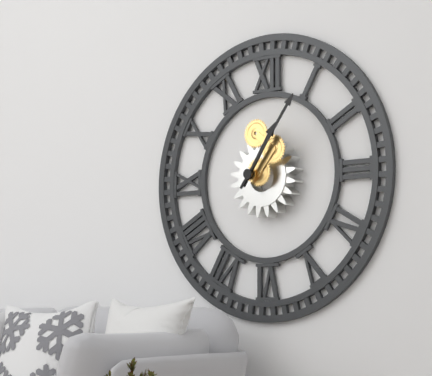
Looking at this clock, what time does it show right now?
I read 1:06
